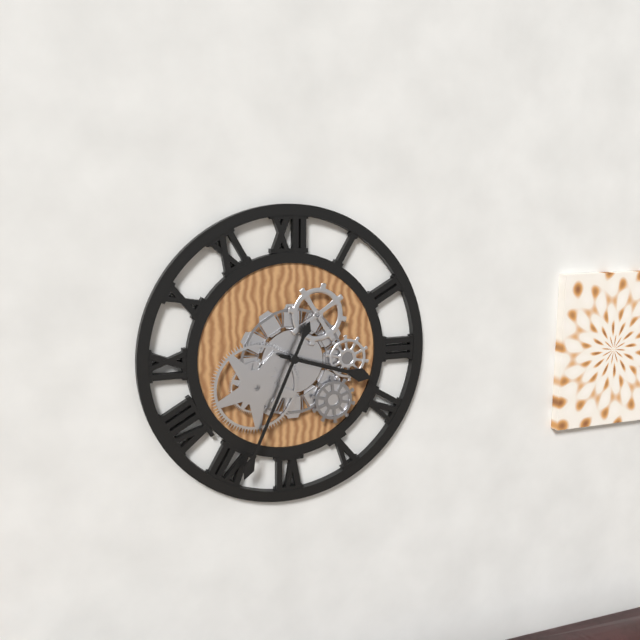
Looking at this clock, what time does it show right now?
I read 3:34
